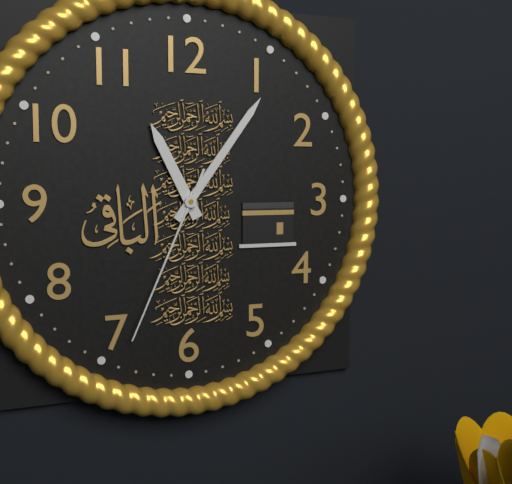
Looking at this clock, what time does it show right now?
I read 11:06:34
